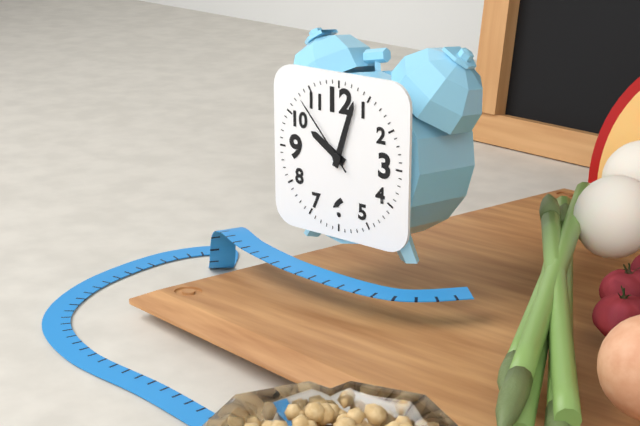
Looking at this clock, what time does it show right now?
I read 10:03:53
